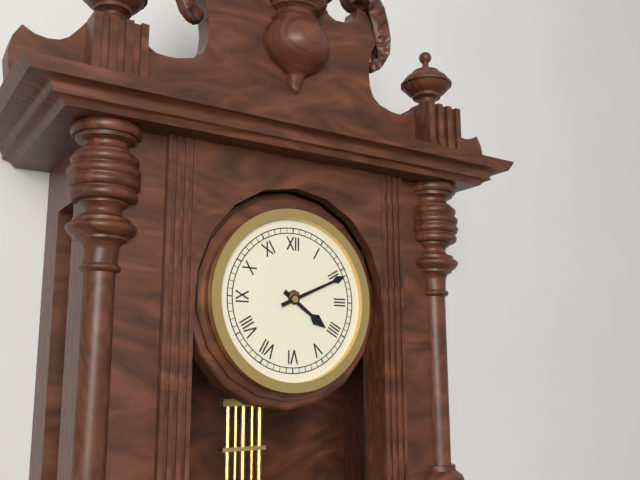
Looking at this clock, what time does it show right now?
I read 4:11
